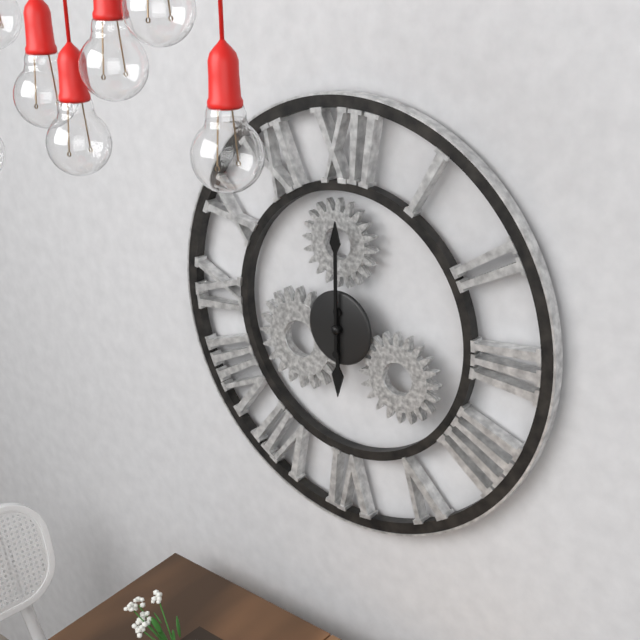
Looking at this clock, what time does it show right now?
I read 6:00
